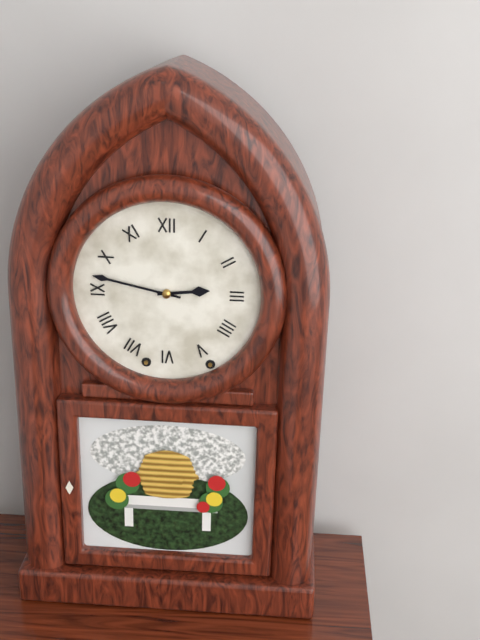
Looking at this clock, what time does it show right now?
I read 2:47
